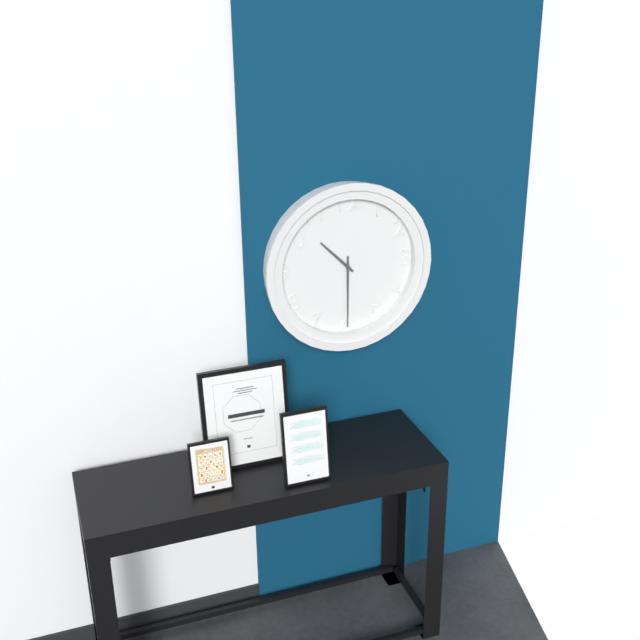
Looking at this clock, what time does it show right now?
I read 10:30
